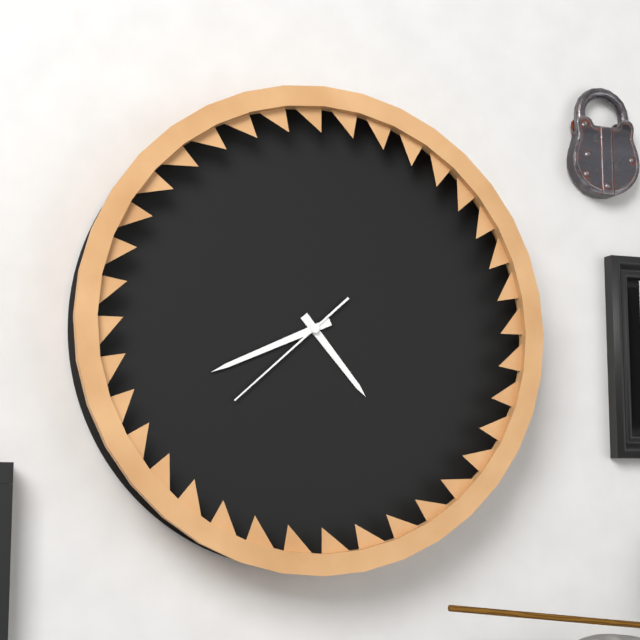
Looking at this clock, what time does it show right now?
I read 4:41:38
